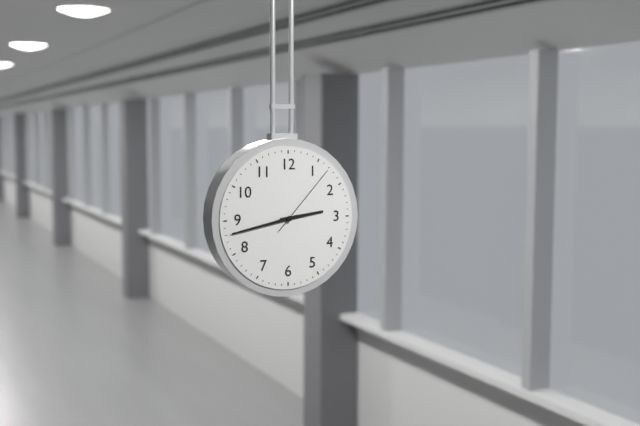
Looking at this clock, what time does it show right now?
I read 2:43:07
